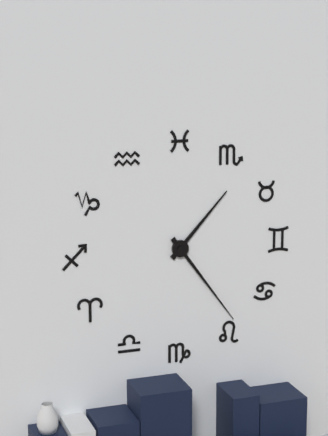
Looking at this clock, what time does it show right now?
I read 1:24
